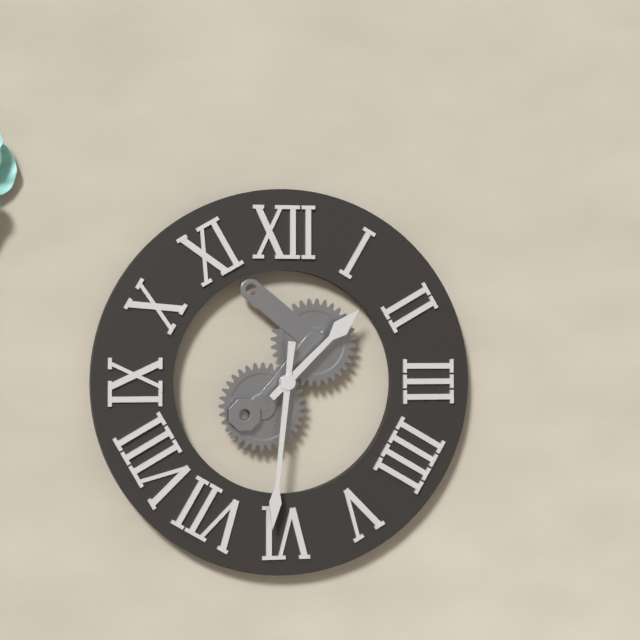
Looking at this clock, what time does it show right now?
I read 1:31
